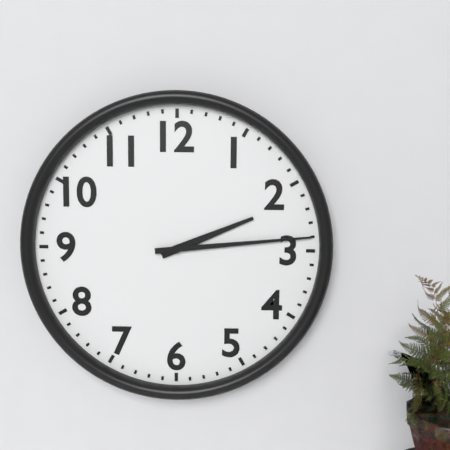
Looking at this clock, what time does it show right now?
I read 2:14
